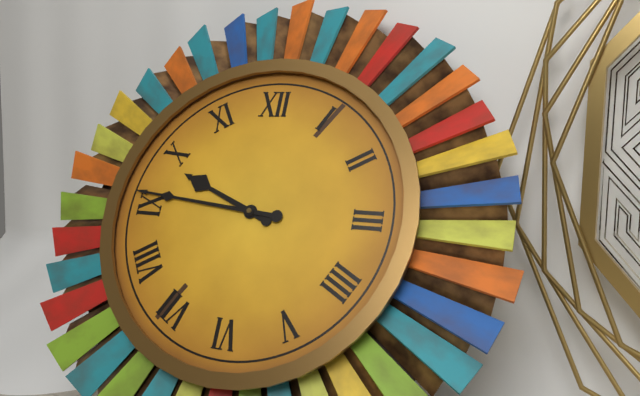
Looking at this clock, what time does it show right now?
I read 9:46
